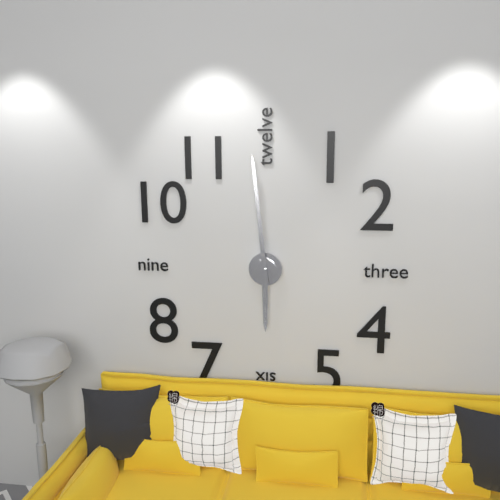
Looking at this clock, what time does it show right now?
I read 5:59
